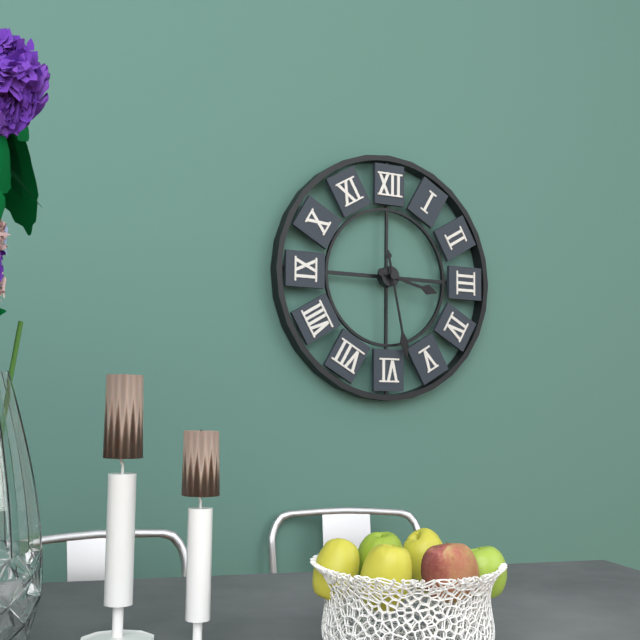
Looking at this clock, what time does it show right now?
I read 3:28
